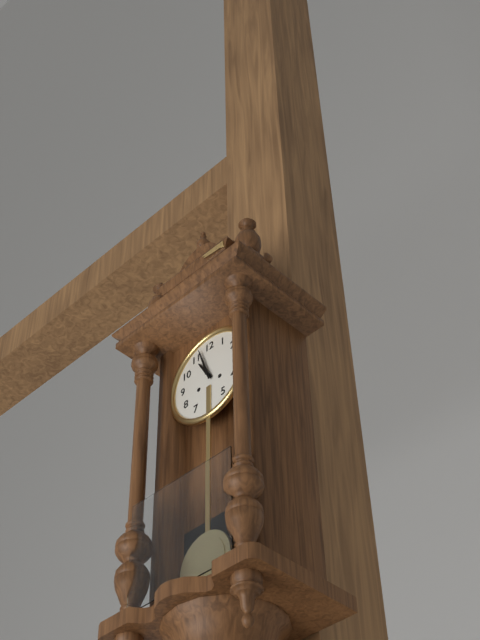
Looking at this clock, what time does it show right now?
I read 10:57
